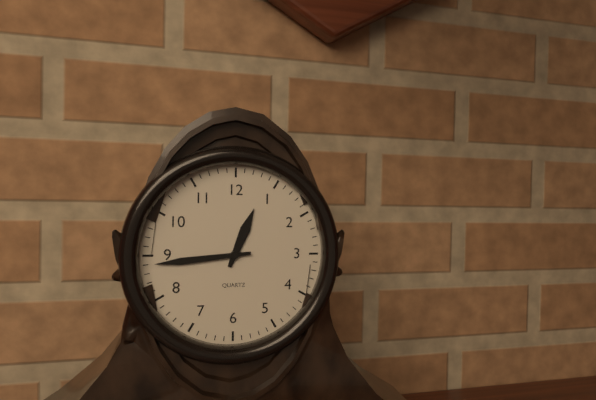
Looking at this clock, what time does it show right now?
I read 12:44
